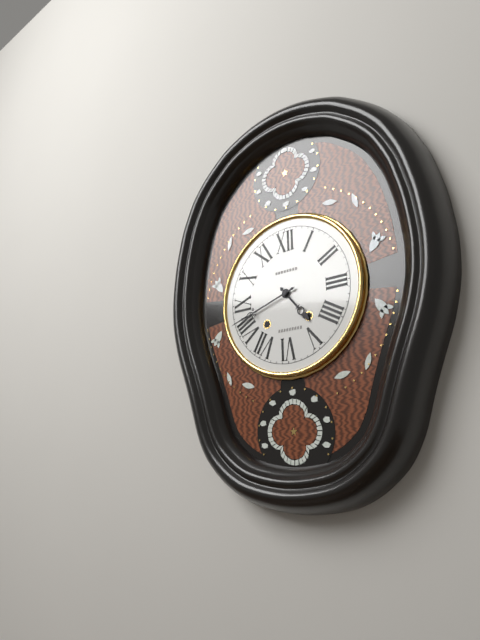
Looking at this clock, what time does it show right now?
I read 4:42
